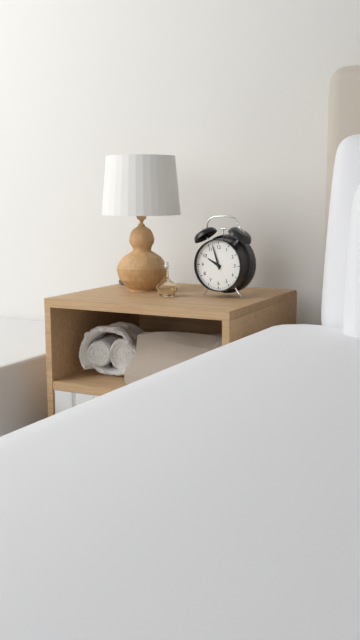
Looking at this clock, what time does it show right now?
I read 9:57
